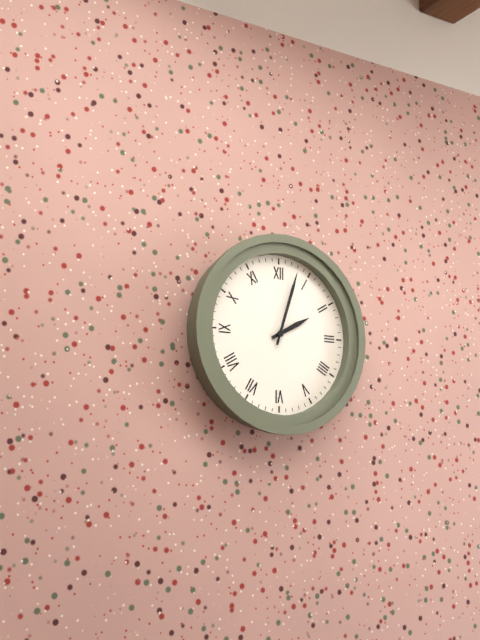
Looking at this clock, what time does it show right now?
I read 2:03
